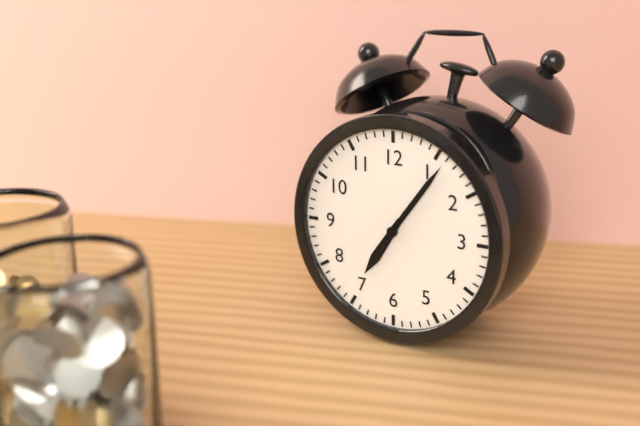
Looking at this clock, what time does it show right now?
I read 7:06
